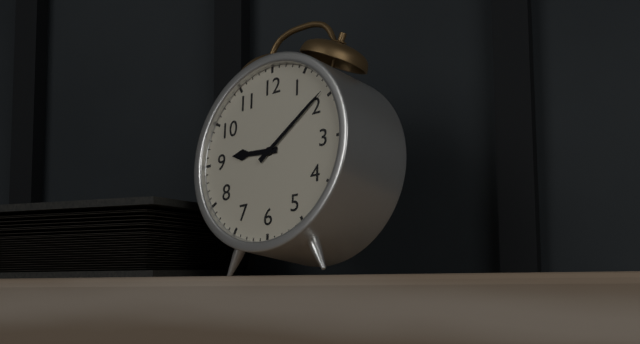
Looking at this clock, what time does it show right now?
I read 9:09
